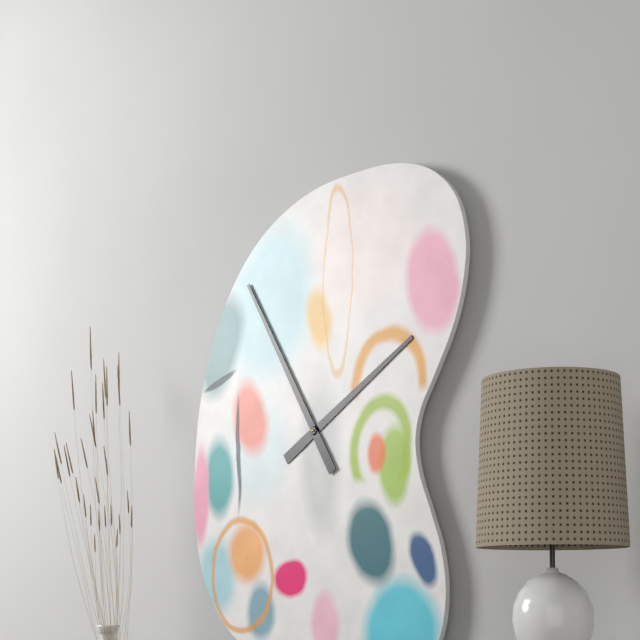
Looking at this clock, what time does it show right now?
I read 1:55
